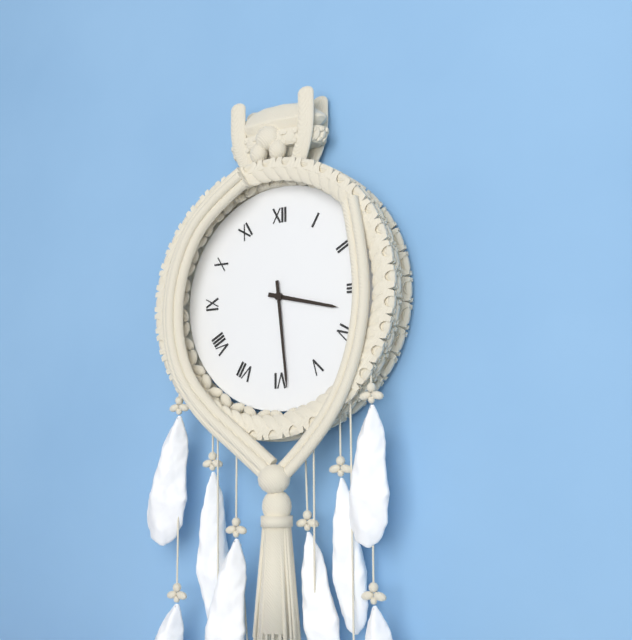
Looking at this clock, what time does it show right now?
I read 3:29
